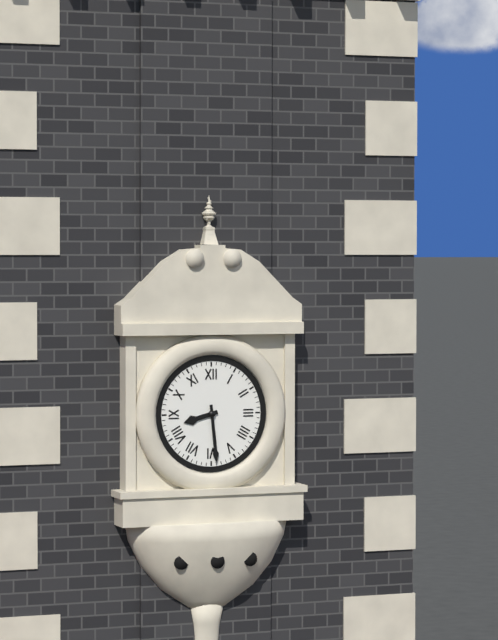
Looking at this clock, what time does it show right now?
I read 8:29
